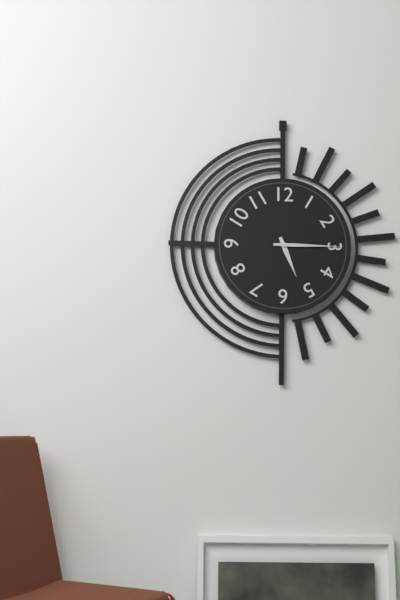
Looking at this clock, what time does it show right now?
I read 5:15
